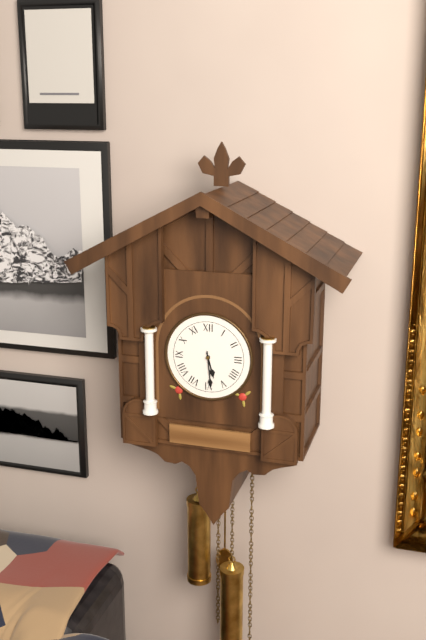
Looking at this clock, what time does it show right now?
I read 5:29
